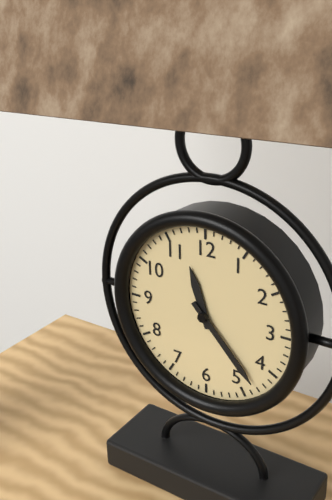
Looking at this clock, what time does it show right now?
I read 11:23
